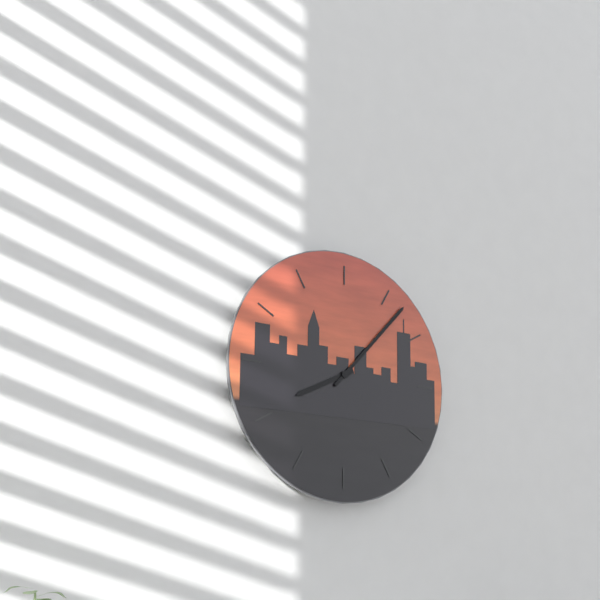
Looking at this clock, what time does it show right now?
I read 8:07
